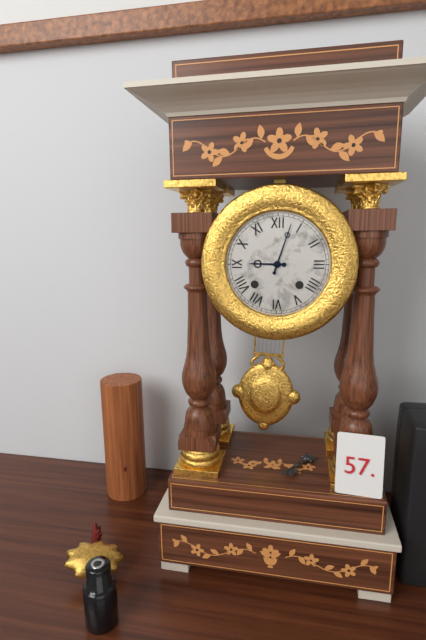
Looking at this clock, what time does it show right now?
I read 9:03
